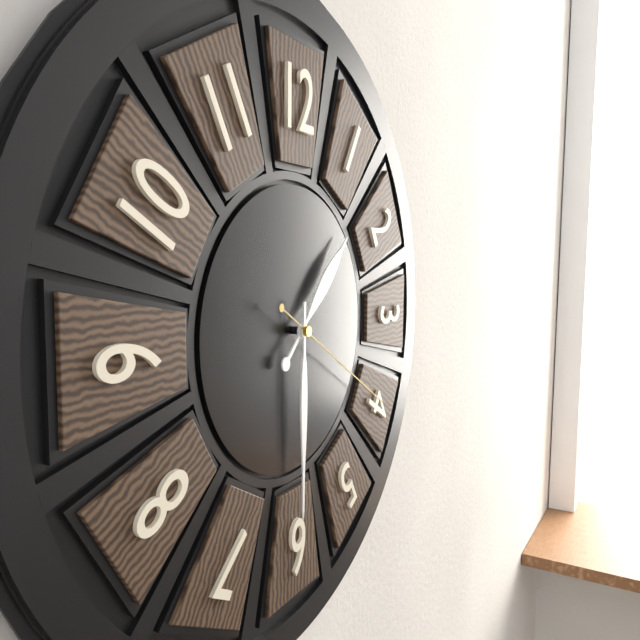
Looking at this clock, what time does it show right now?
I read 1:30:20
